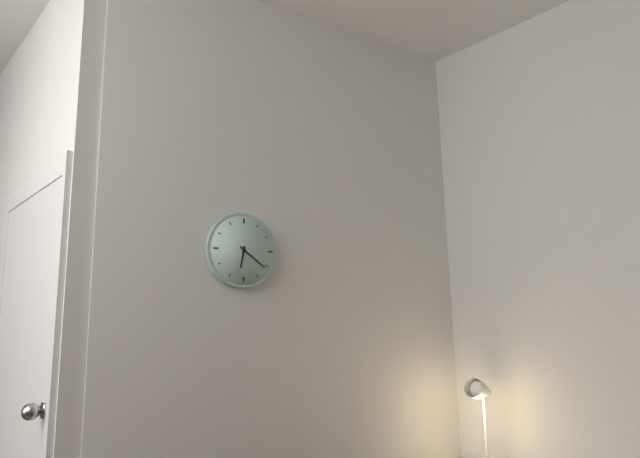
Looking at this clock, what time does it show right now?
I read 6:21
